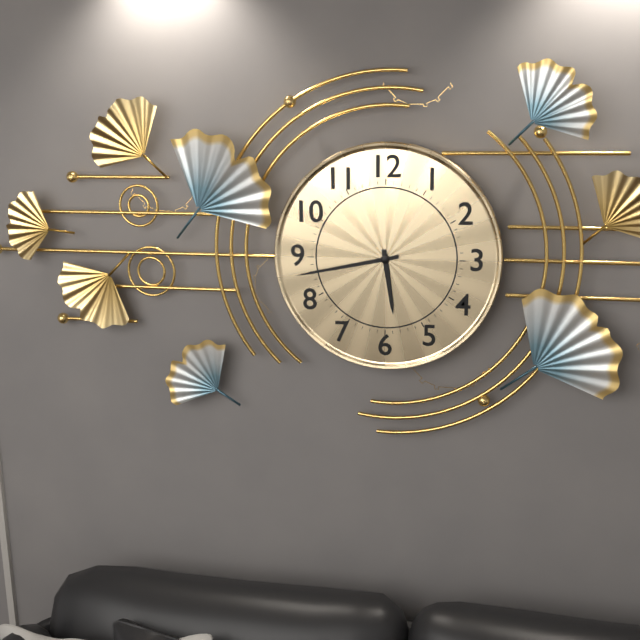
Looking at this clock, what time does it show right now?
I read 5:43
